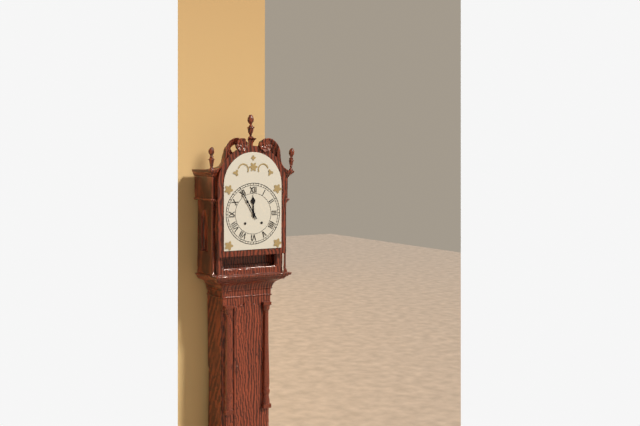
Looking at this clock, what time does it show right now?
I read 11:55
